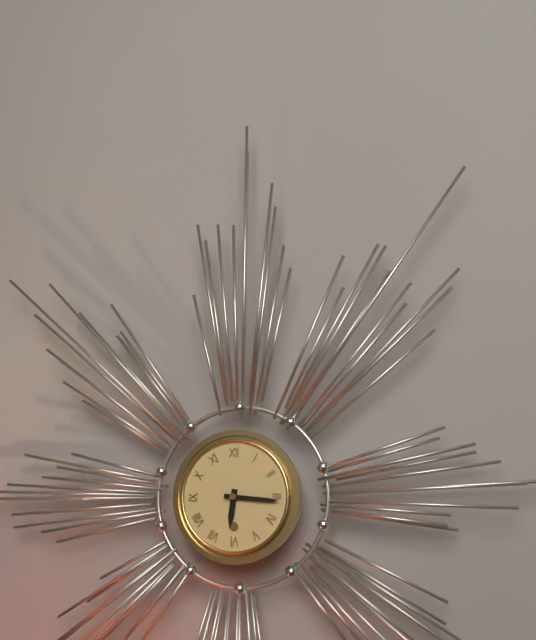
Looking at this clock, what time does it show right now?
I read 6:16
